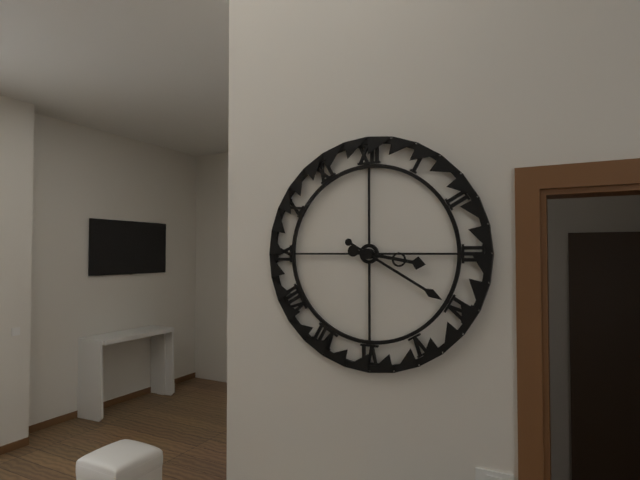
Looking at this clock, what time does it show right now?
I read 3:20
